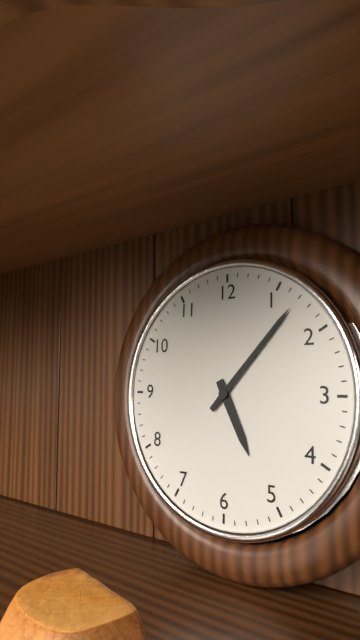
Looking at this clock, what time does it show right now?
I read 5:07
